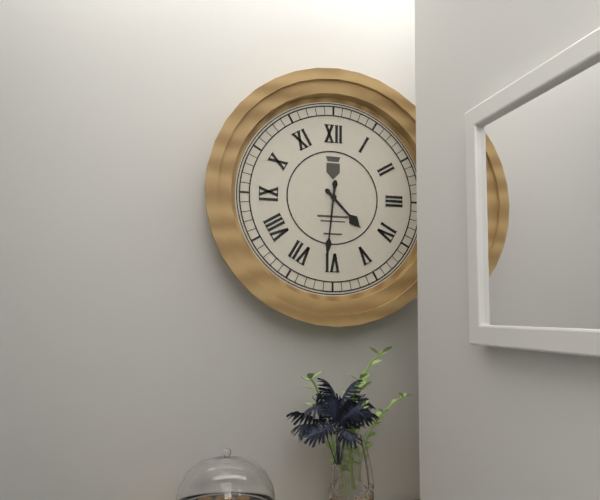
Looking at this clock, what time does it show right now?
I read 4:31
